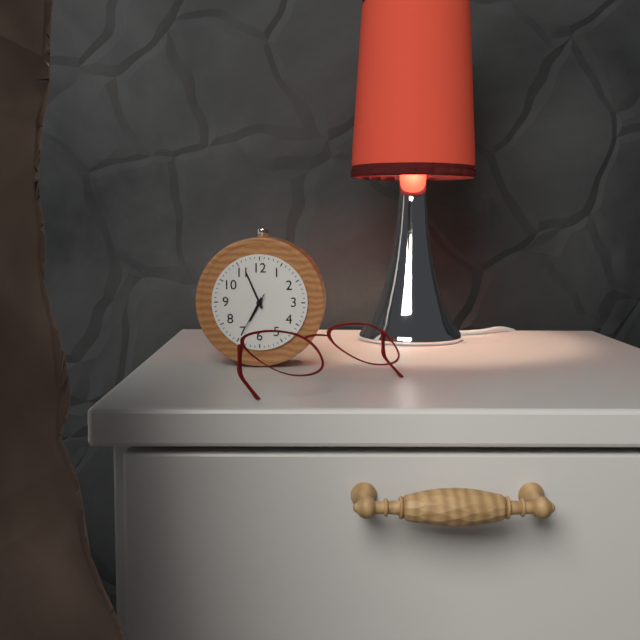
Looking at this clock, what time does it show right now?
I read 6:56
